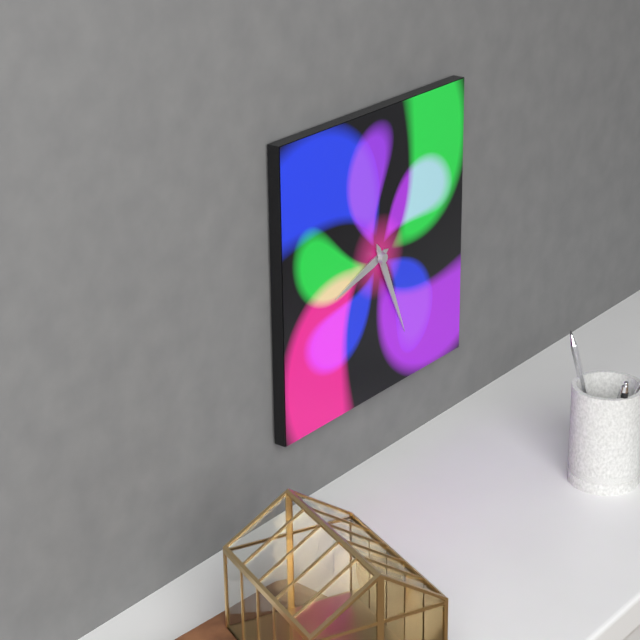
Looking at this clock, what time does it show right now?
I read 8:26
